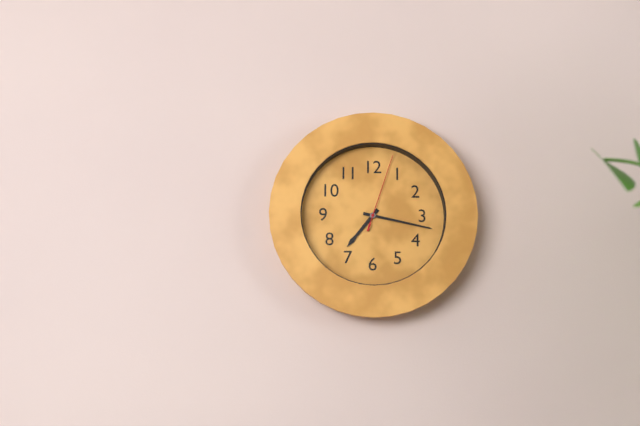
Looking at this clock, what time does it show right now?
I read 7:17:03
